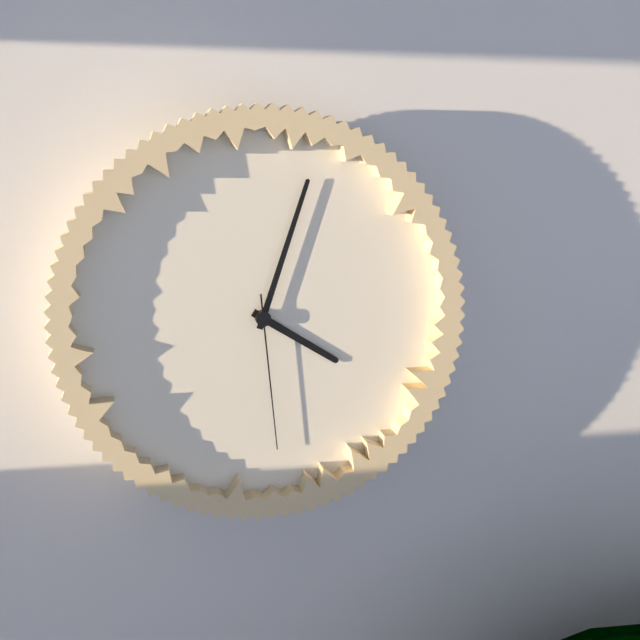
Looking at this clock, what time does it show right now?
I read 4:03:29
